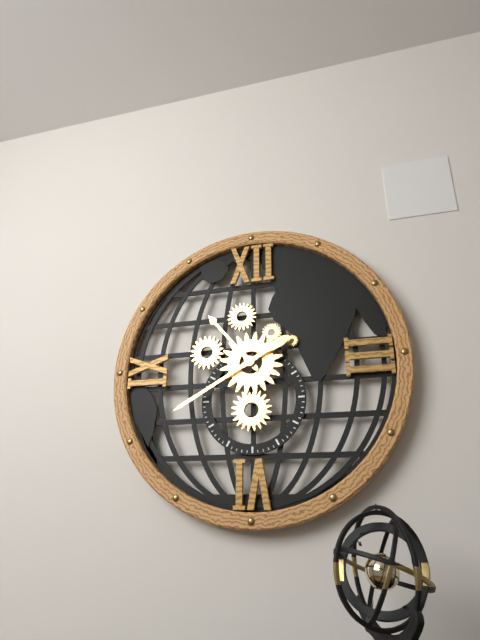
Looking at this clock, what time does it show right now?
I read 10:40
